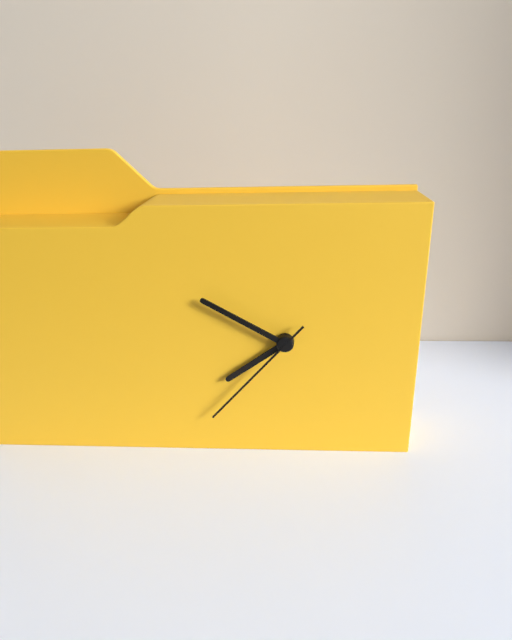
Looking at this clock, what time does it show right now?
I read 7:50:37
